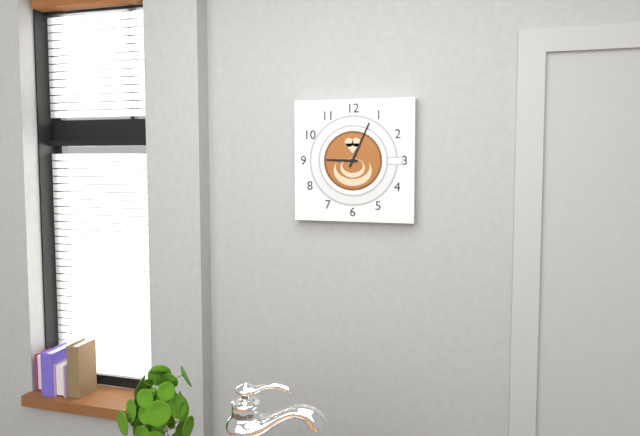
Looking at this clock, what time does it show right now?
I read 9:04
